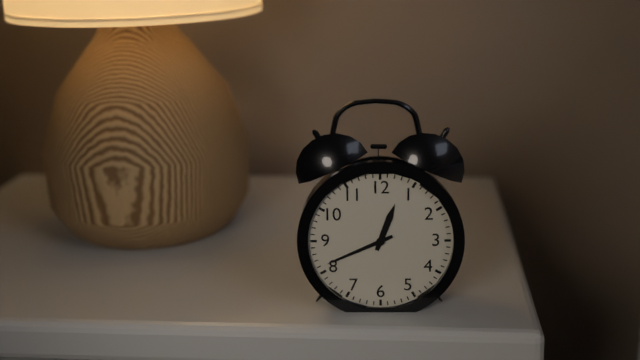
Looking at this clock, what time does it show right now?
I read 12:41
